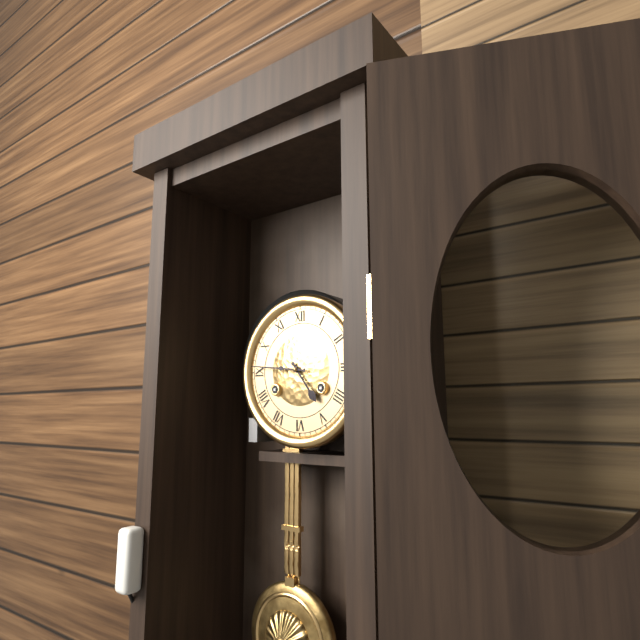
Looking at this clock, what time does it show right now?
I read 4:46
